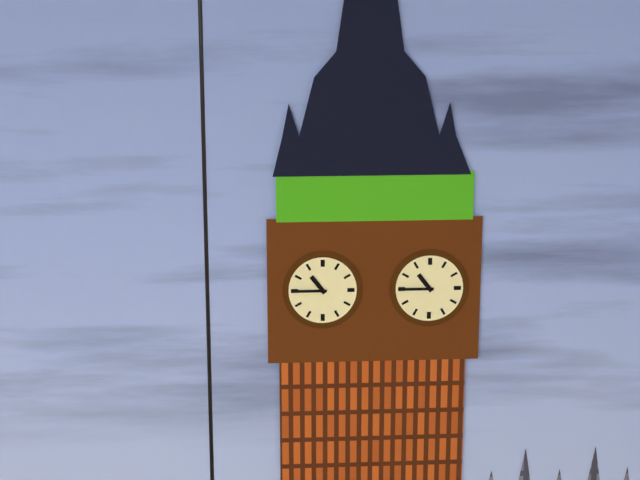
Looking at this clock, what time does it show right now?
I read 10:45
